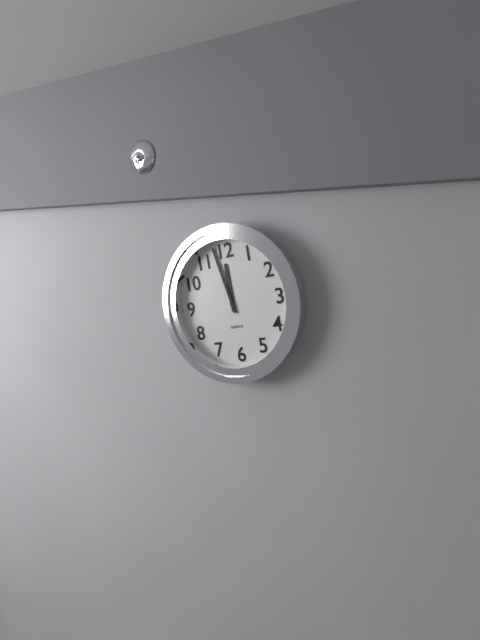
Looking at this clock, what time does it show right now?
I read 11:58
